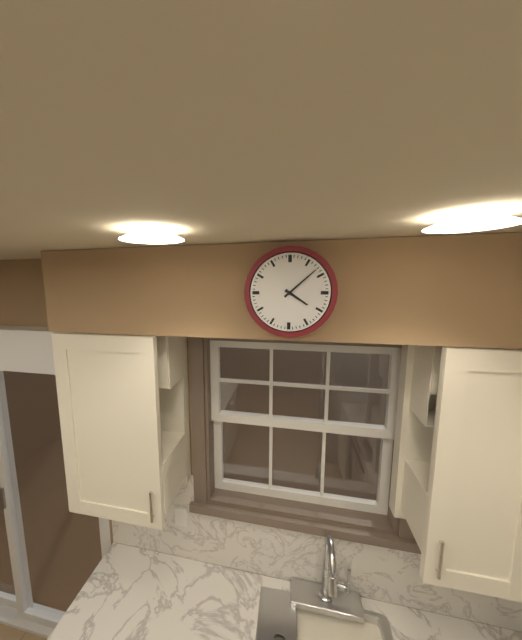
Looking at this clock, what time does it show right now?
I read 4:08
